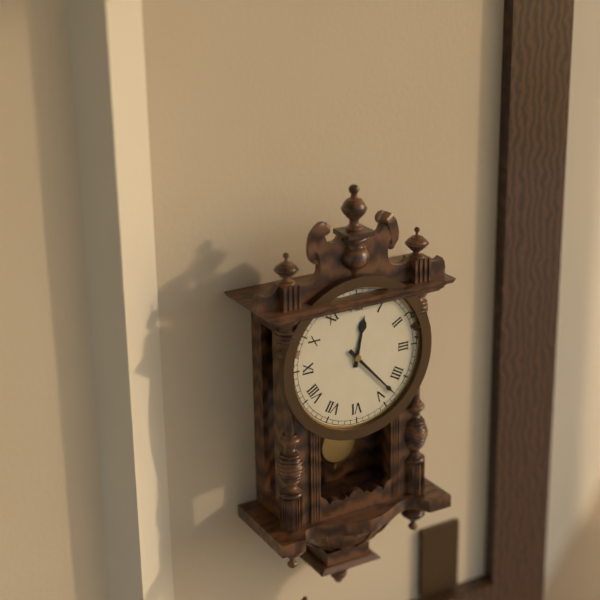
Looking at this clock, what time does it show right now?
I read 12:23
